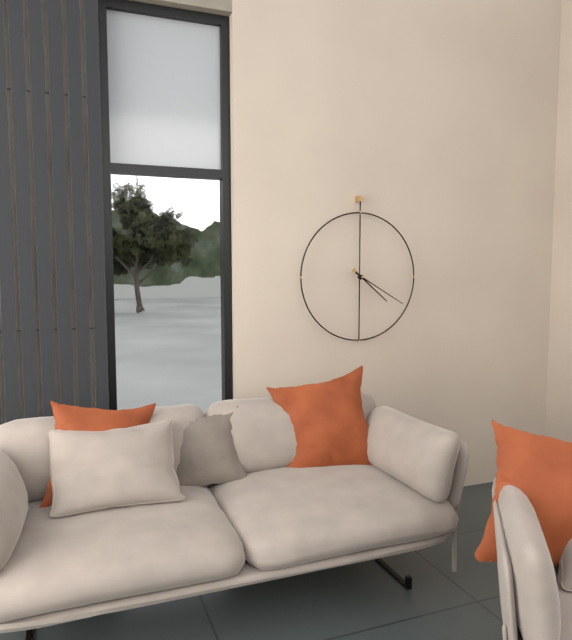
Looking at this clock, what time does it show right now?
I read 4:20
